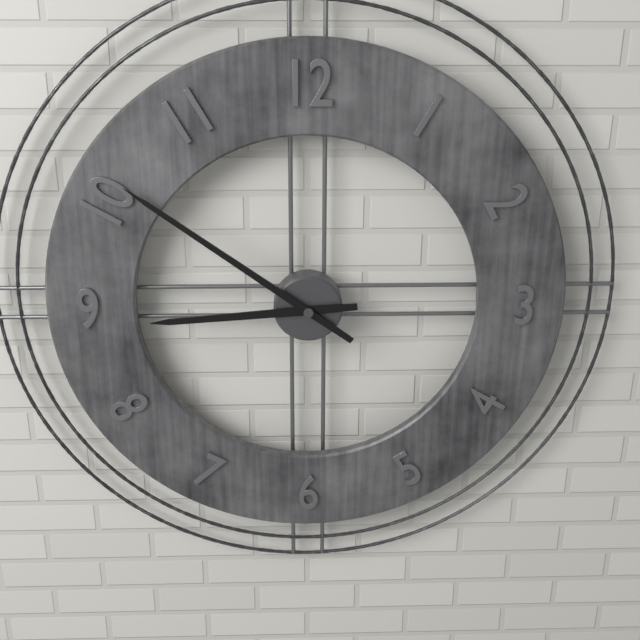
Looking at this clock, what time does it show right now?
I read 8:51
